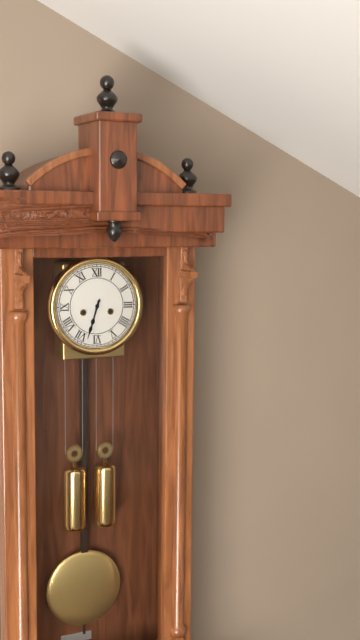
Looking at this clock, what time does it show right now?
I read 6:33
